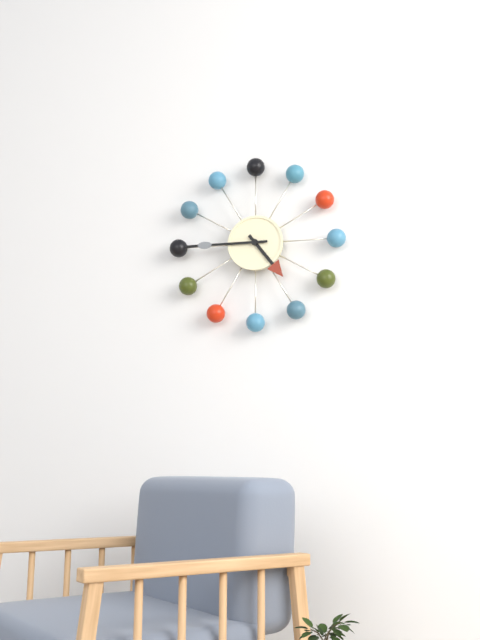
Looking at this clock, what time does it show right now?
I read 4:45
